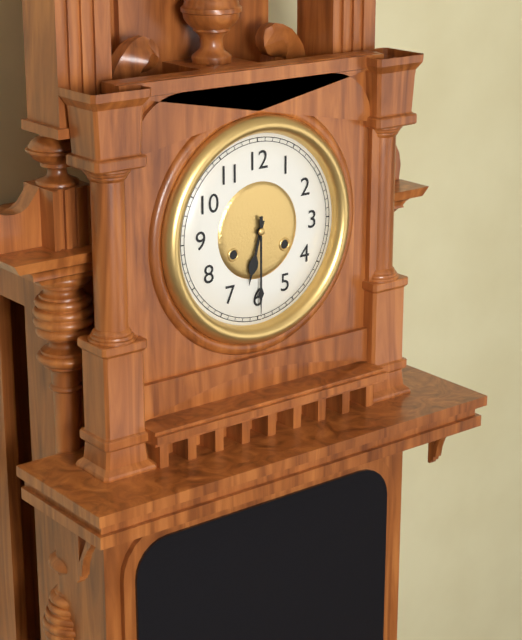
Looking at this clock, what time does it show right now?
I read 6:30
